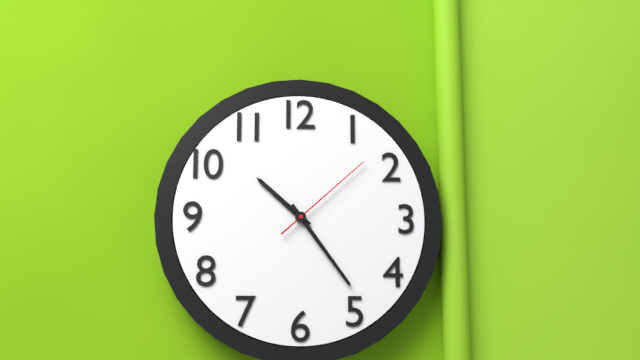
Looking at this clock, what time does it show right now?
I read 10:24:08
